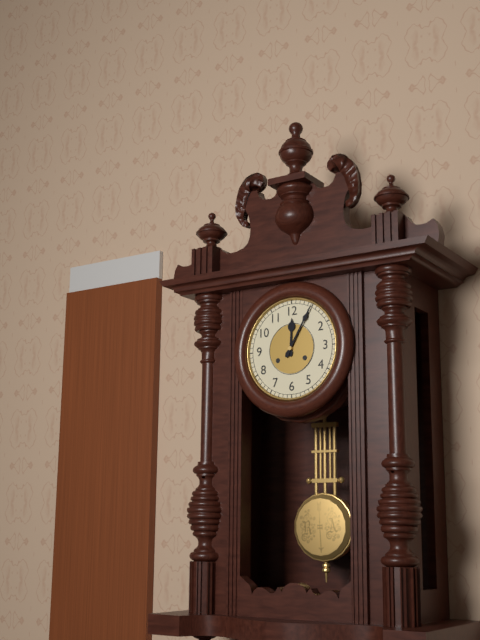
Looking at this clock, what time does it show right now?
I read 12:05
